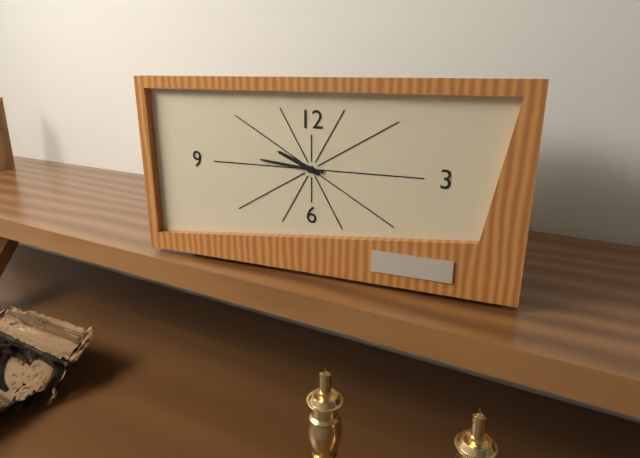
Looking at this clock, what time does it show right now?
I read 9:46
